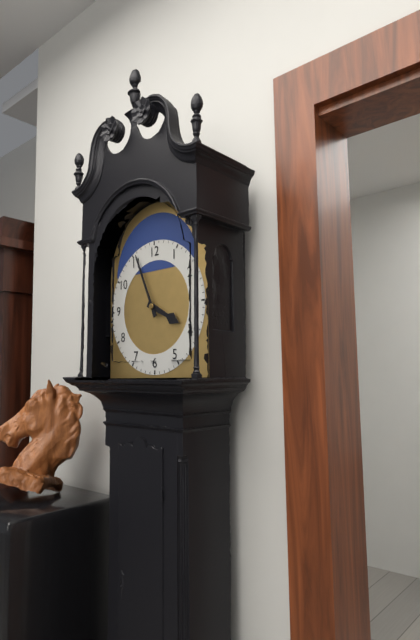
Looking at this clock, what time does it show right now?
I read 3:56
